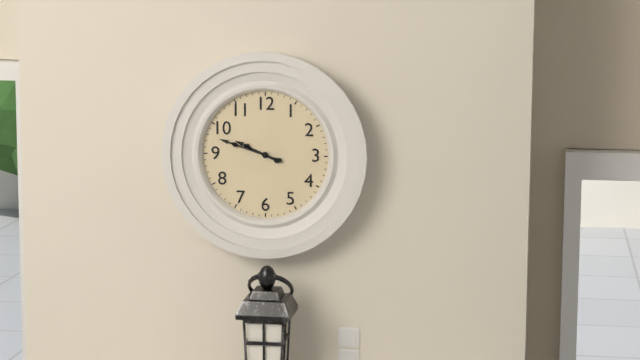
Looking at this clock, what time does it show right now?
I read 9:48
